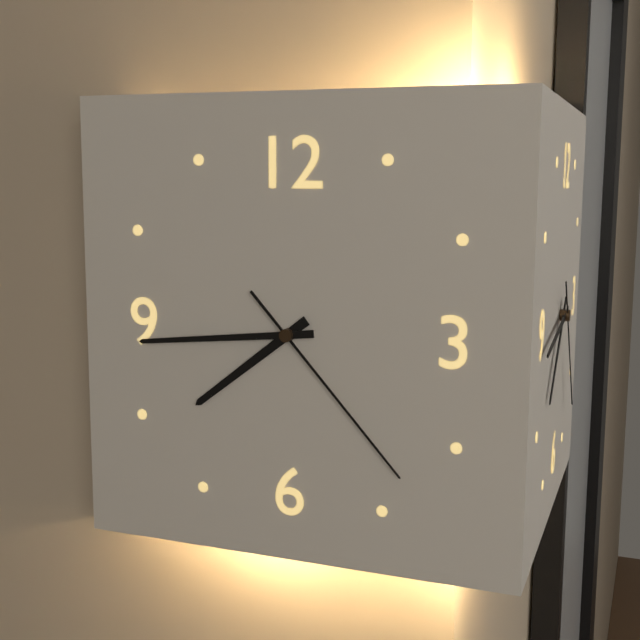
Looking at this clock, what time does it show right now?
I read 7:44:23
